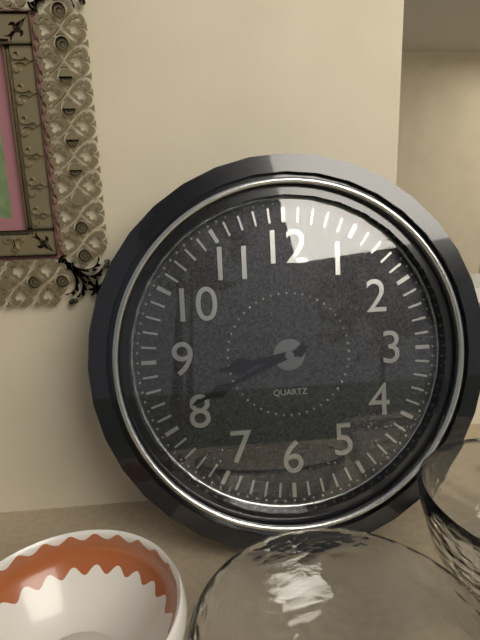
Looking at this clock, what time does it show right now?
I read 8:41
